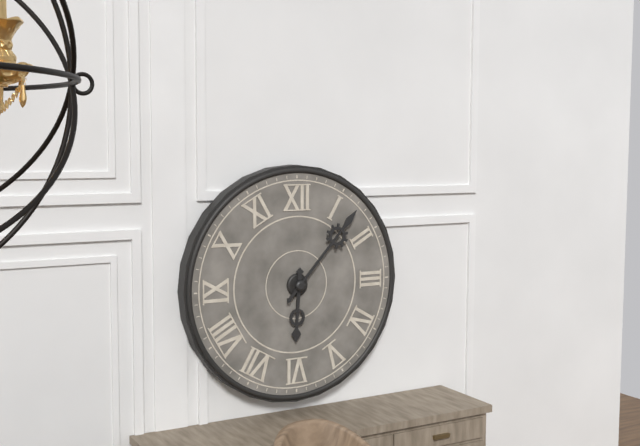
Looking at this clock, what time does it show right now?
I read 6:07
